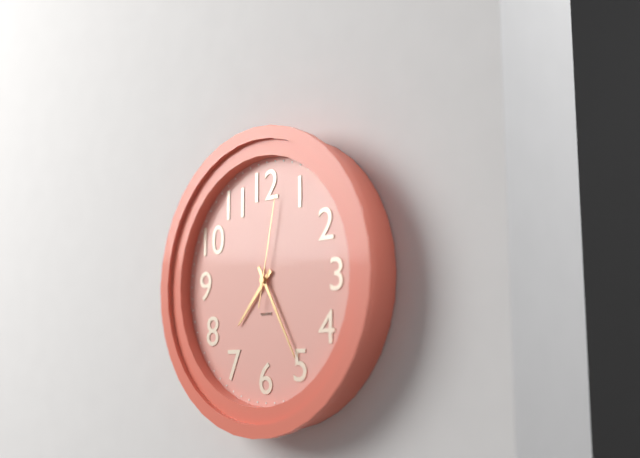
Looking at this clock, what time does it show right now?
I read 7:25:02
